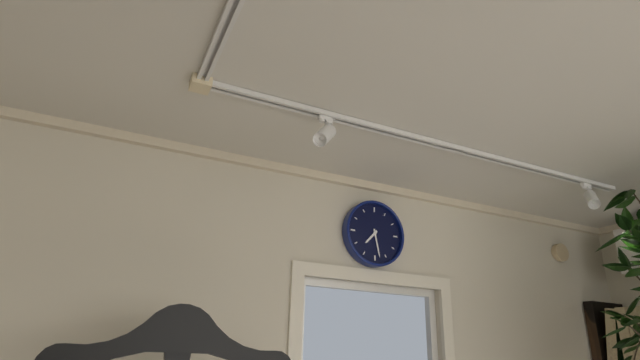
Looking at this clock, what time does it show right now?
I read 7:28
